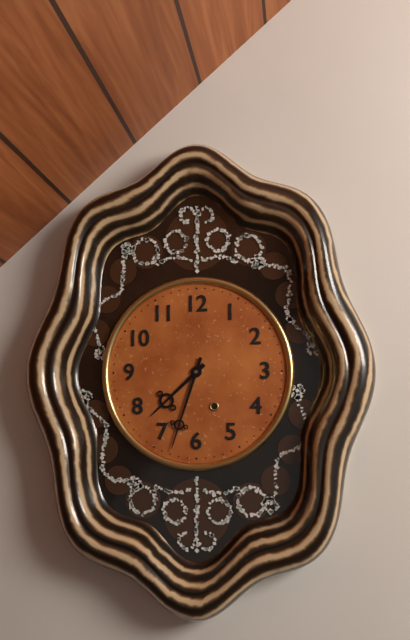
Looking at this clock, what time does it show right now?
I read 7:33
